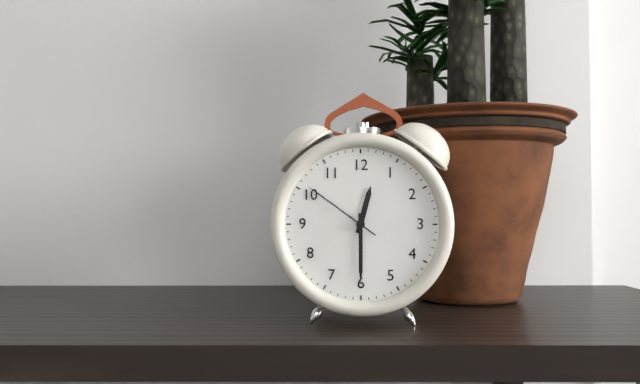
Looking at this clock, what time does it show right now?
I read 12:30:51
